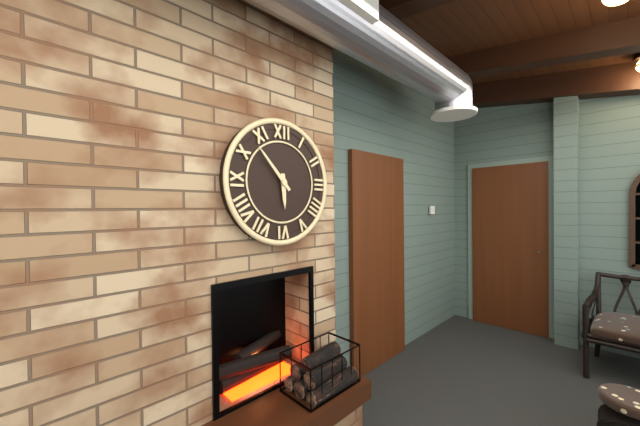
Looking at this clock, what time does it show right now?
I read 5:53
